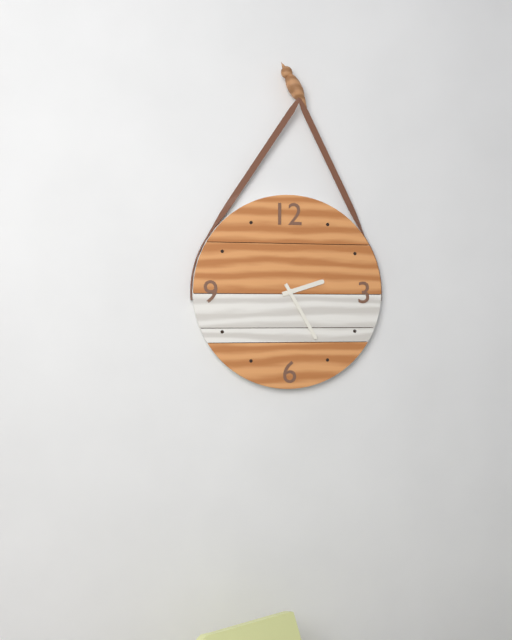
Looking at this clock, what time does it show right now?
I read 2:25
